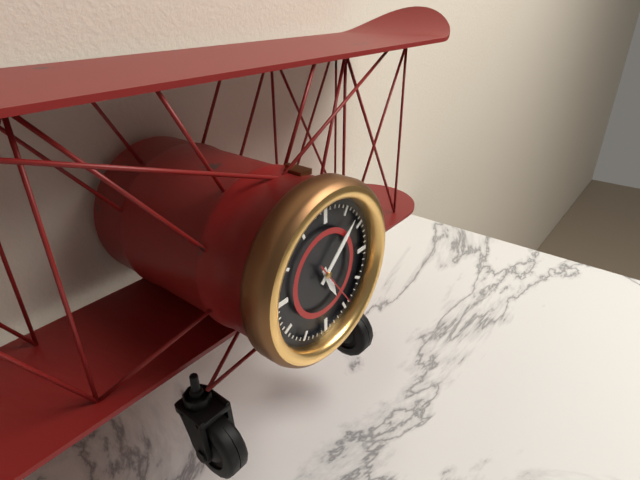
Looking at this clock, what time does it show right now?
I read 5:08
